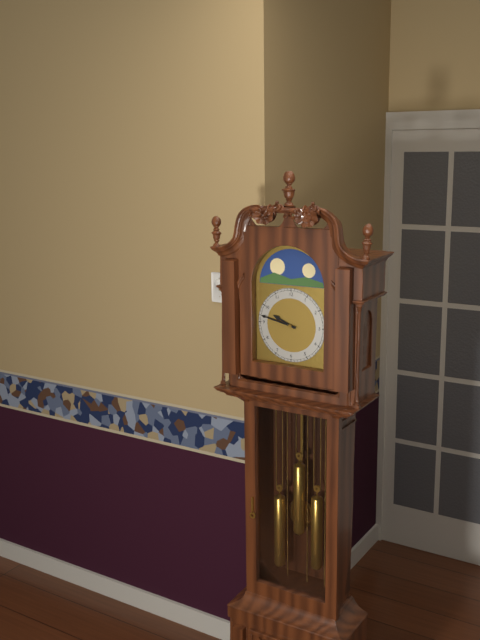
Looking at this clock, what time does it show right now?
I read 9:47
